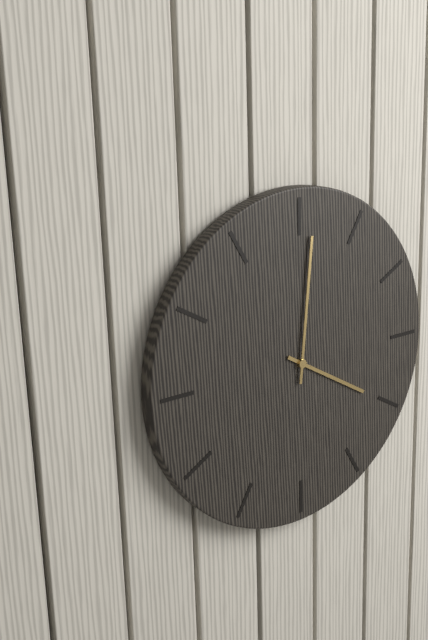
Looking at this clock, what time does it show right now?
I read 4:01
